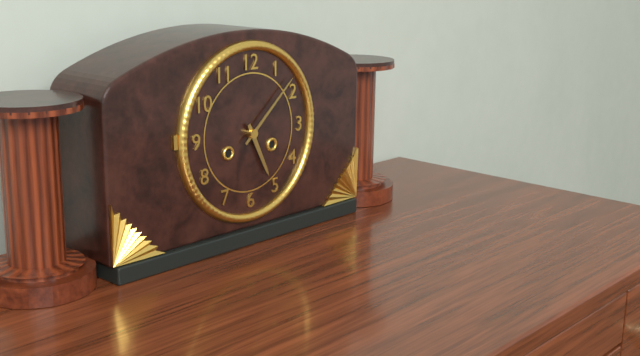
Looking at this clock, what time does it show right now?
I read 5:08
